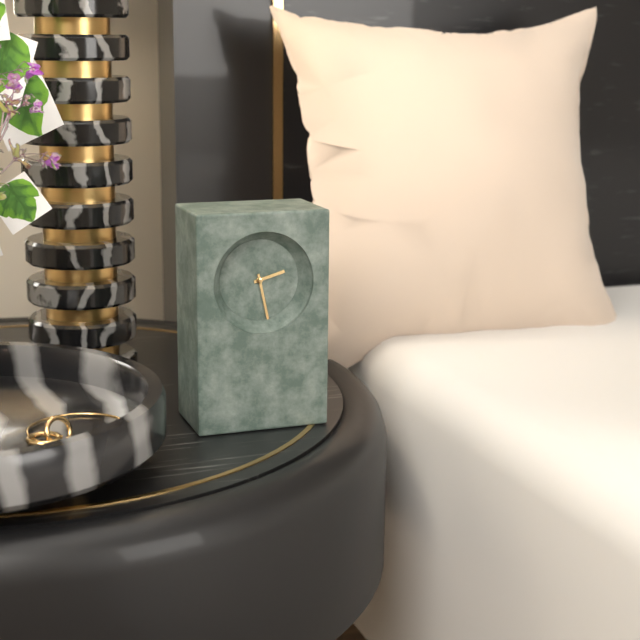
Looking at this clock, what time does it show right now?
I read 2:28
